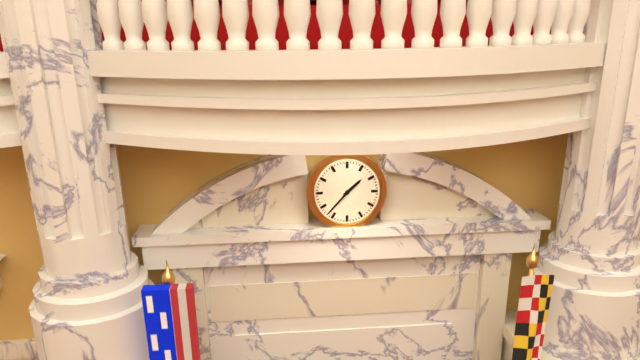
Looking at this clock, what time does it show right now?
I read 1:37
